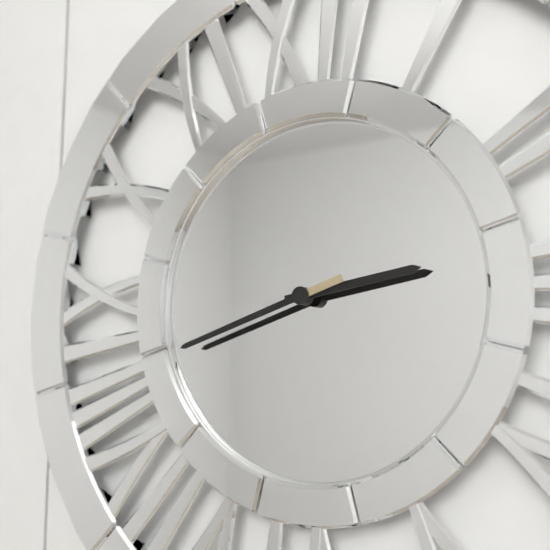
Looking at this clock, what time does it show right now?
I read 2:42
